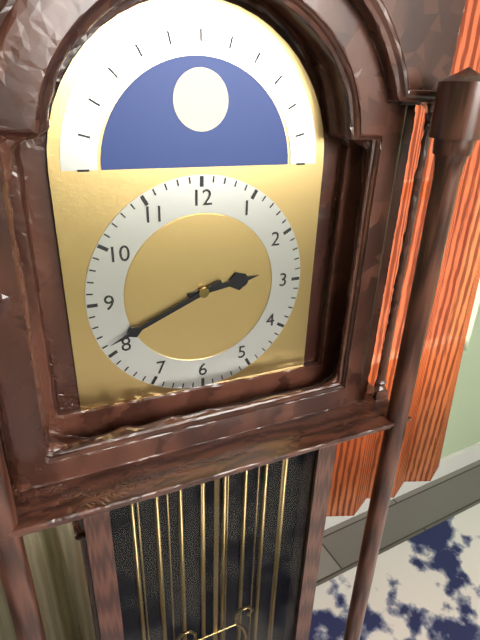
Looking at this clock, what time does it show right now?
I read 2:41
